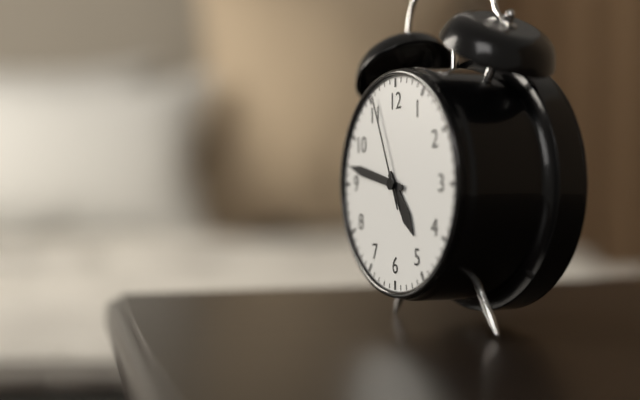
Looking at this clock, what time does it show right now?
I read 4:47:56
